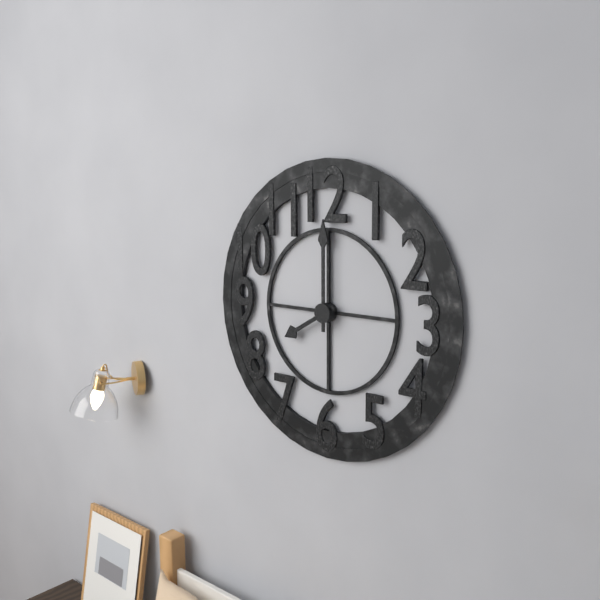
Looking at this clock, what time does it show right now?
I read 8:00
